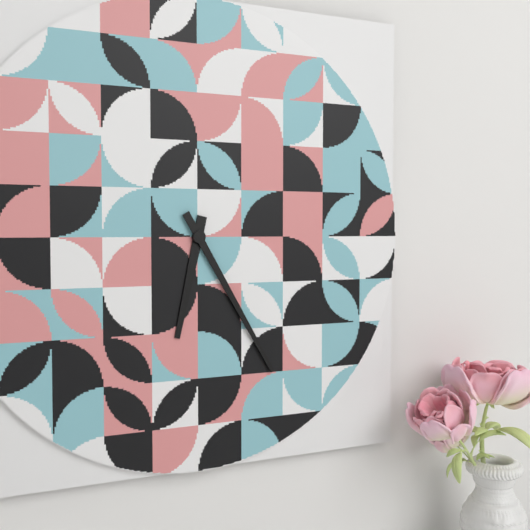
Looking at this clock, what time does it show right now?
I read 6:25
